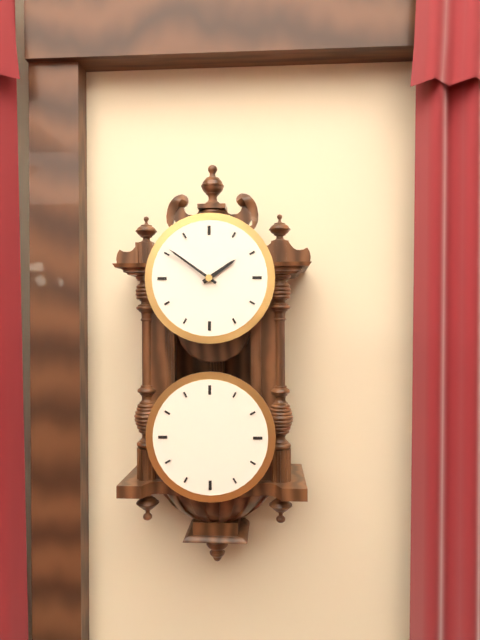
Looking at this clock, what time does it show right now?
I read 1:51
